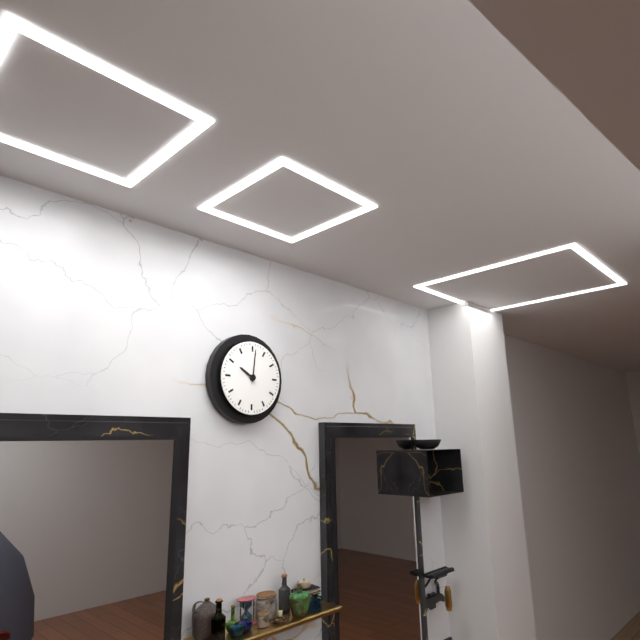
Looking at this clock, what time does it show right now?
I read 10:01
